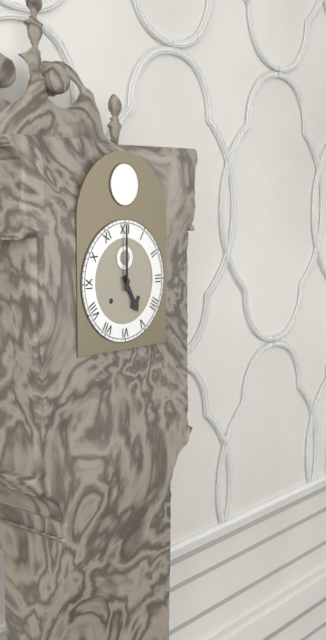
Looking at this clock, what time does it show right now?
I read 5:00
